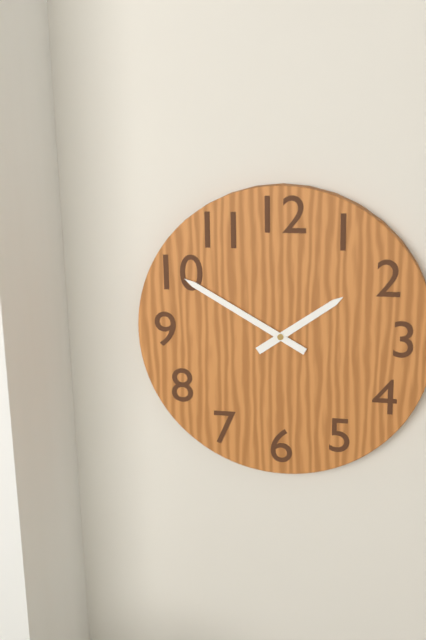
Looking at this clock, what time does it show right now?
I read 1:50
